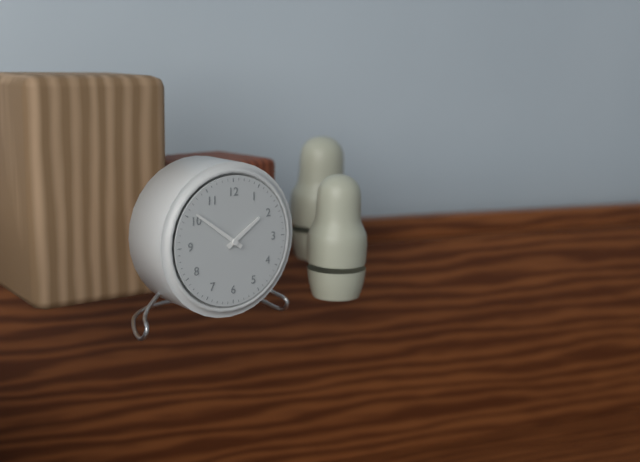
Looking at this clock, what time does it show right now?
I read 1:51
